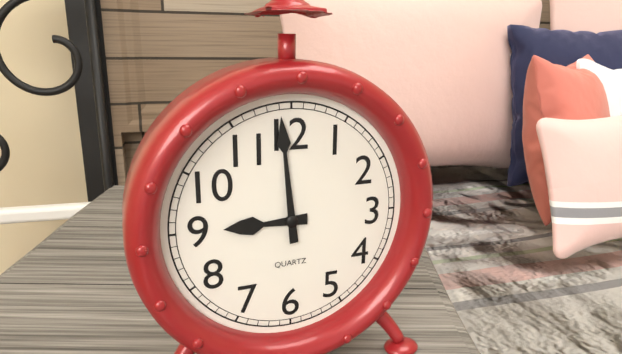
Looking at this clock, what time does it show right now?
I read 8:59
